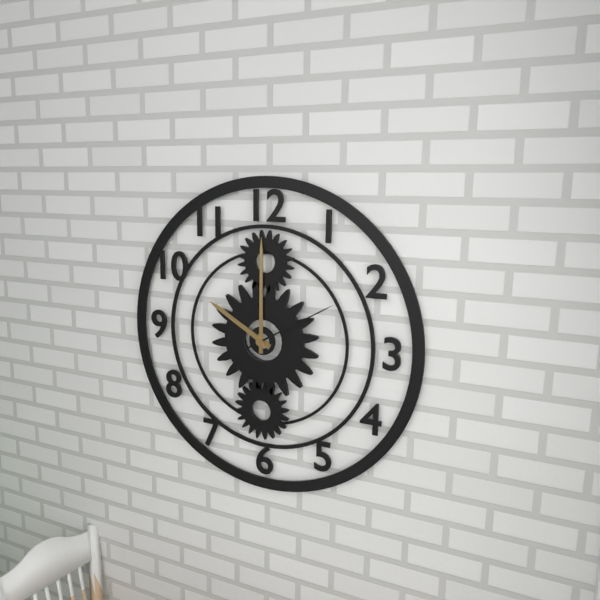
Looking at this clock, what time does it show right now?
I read 10:00:10
